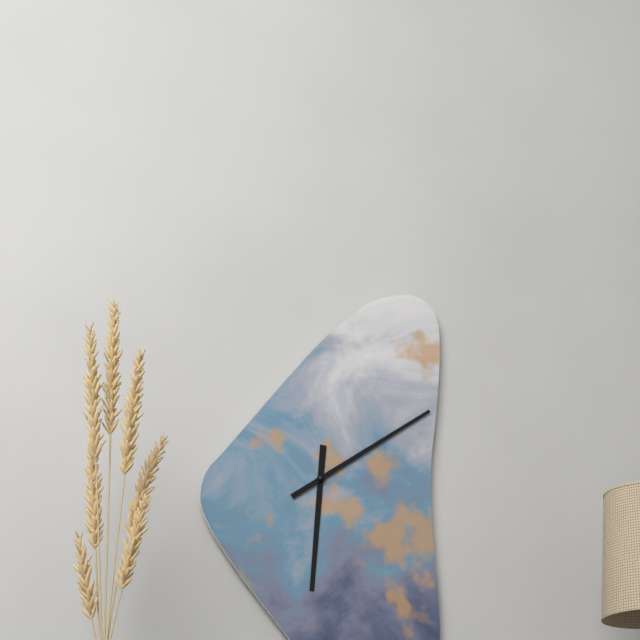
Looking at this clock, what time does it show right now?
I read 6:09
